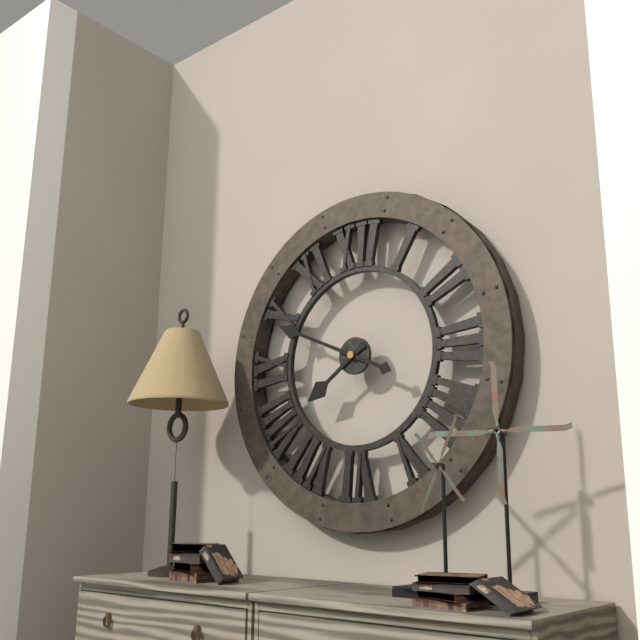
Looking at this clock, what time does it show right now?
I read 7:49
